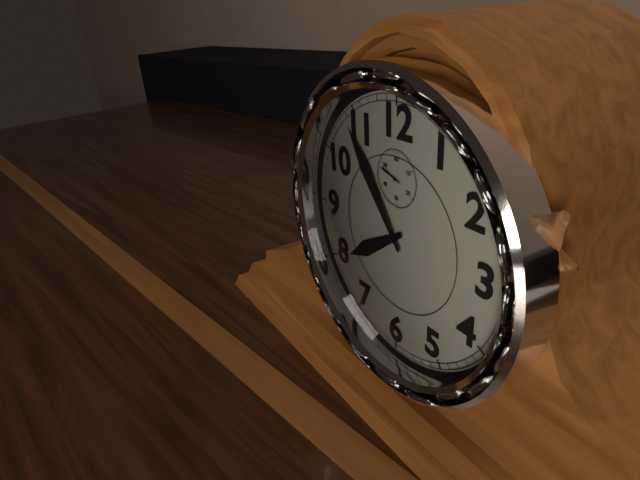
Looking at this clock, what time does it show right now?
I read 7:54
